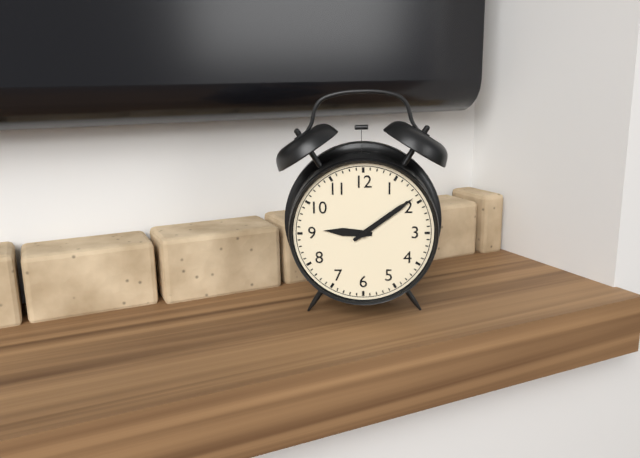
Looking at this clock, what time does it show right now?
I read 9:09
